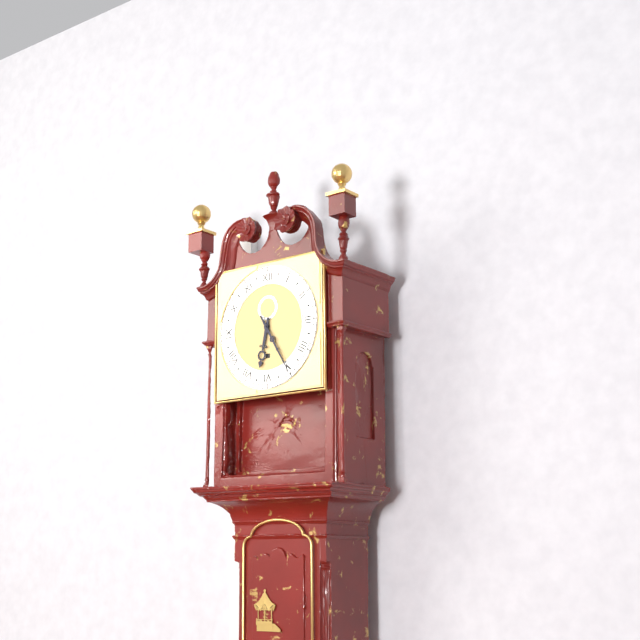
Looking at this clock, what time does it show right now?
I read 6:25
